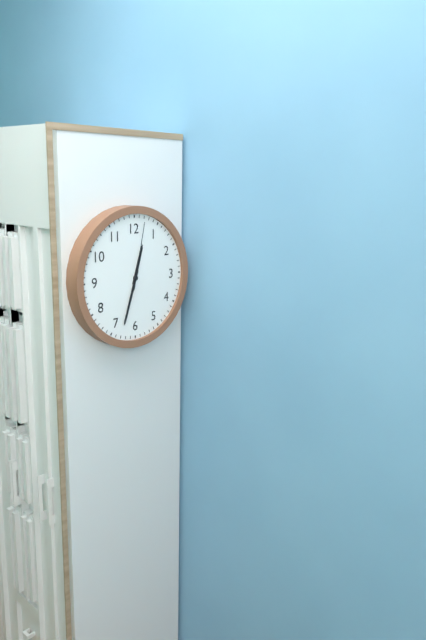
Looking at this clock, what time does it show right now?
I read 12:33:02
